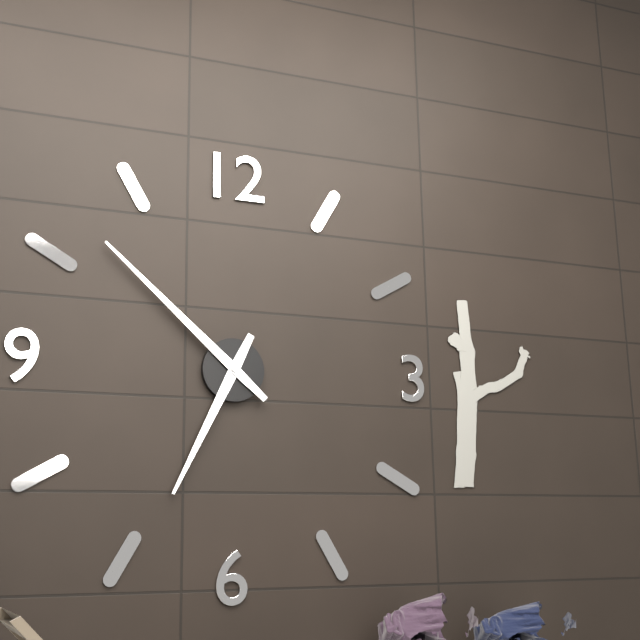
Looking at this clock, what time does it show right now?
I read 6:52
